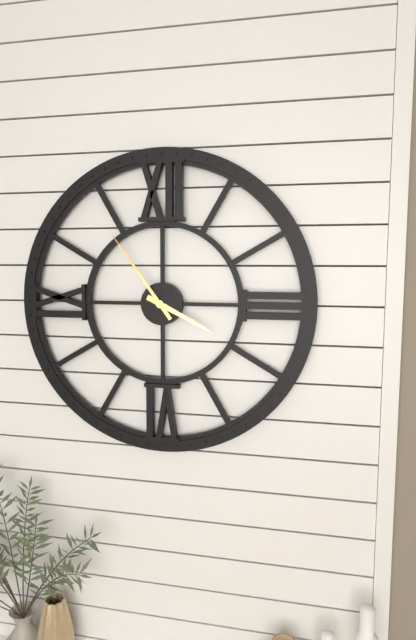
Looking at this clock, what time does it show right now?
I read 3:54
